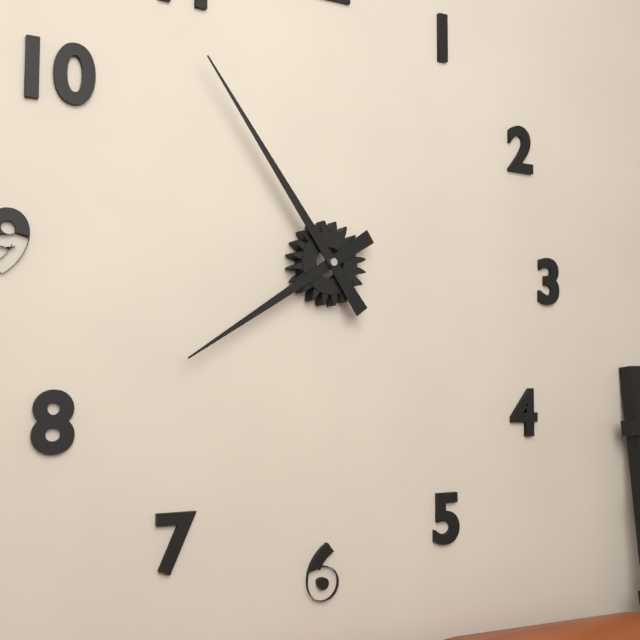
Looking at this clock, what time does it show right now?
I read 7:54
